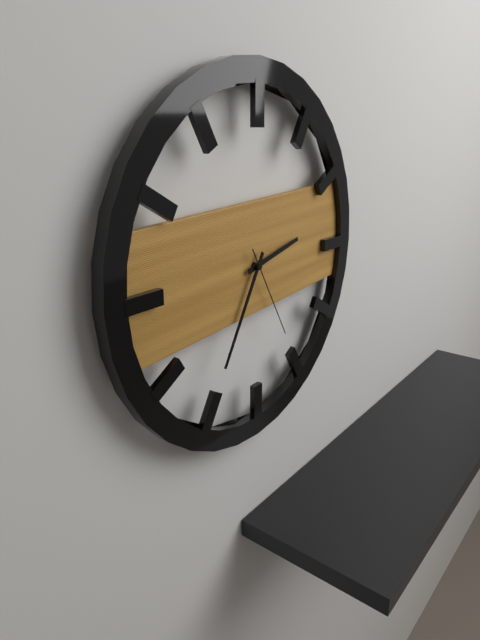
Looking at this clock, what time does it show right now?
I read 2:35:25
